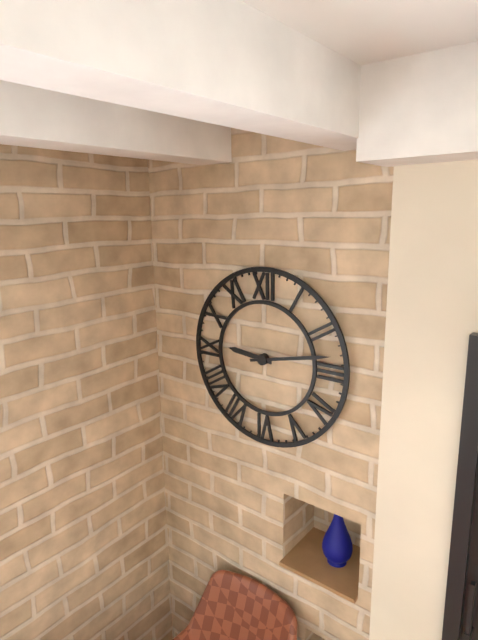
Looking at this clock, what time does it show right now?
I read 9:13
